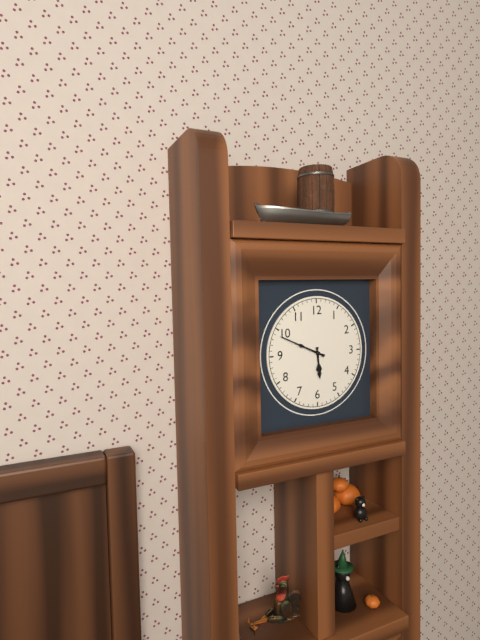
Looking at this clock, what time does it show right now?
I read 5:49
